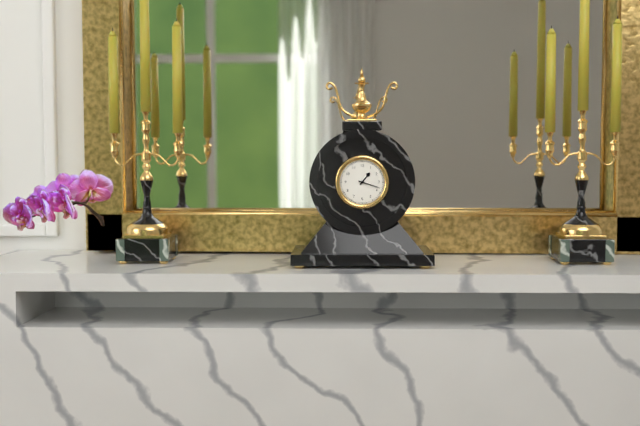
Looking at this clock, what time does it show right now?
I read 1:18
